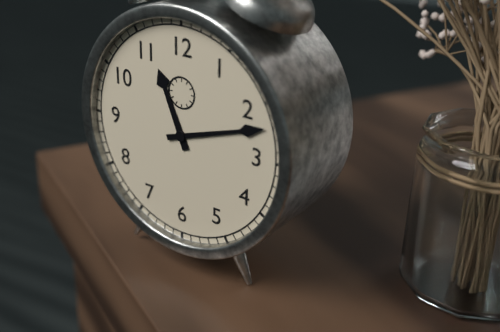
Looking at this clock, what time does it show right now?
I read 11:12
